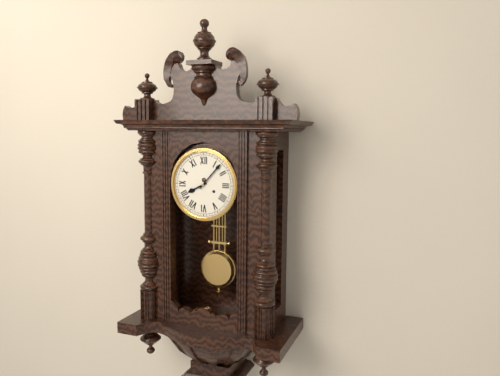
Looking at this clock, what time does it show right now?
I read 8:07
